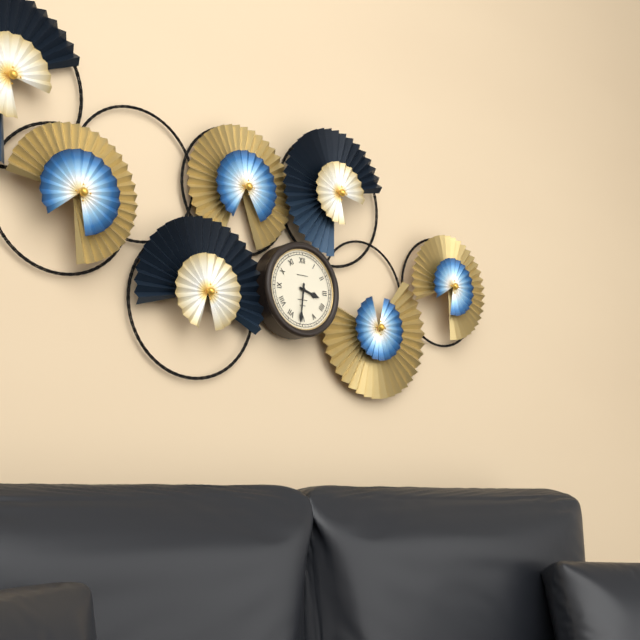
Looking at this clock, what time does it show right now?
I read 3:31
